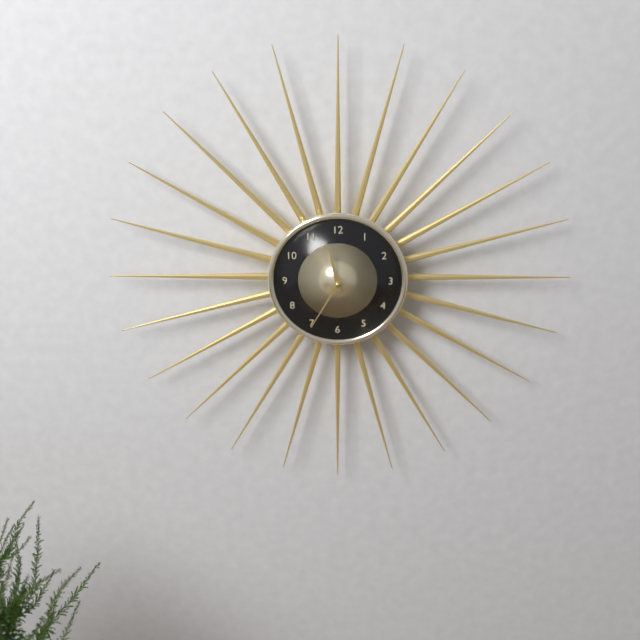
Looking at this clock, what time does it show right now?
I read 11:35
